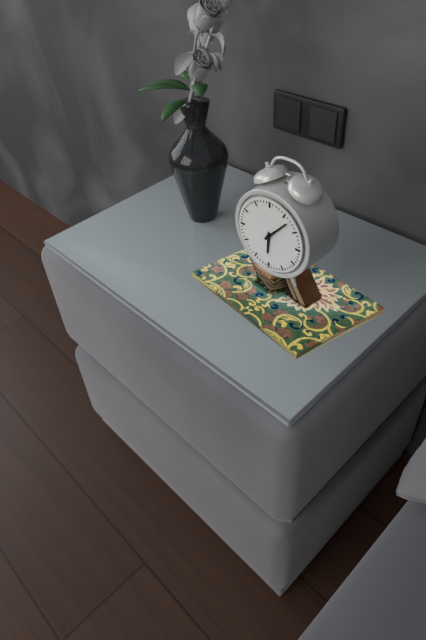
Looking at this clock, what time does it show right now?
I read 6:07
